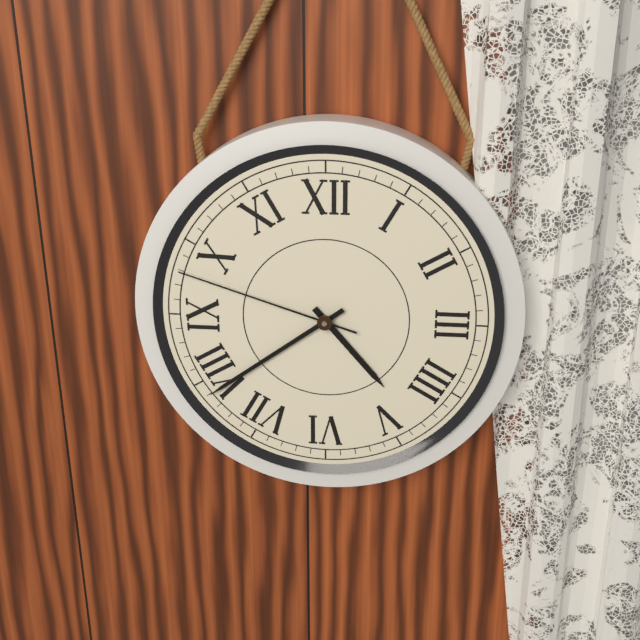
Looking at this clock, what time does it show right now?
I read 4:39:48
